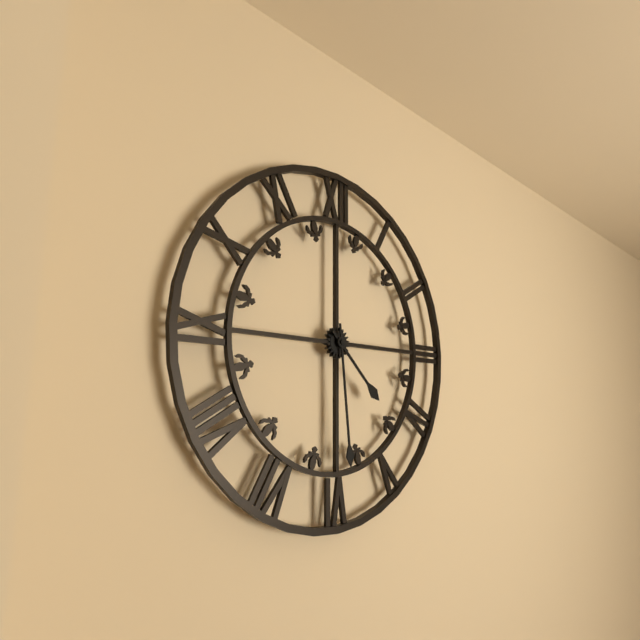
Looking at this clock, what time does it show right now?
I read 4:29
